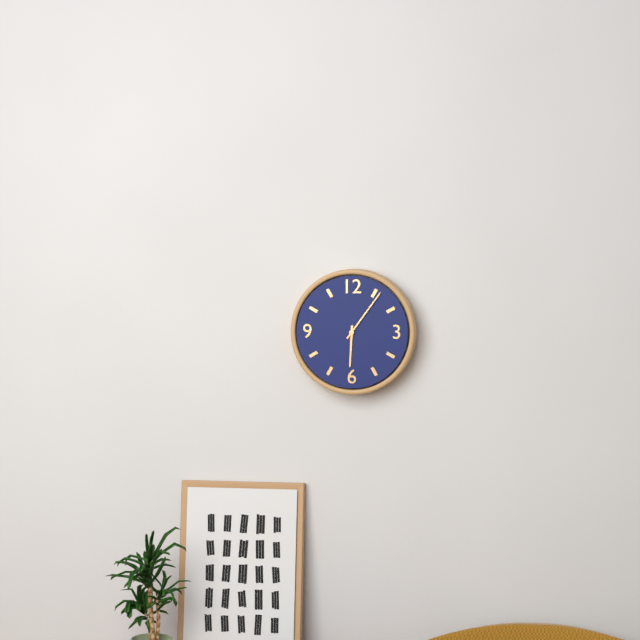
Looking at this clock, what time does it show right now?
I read 6:06
